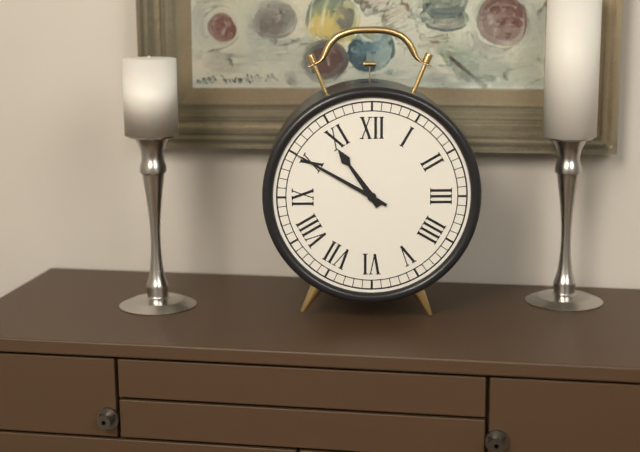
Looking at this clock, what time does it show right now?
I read 10:50
